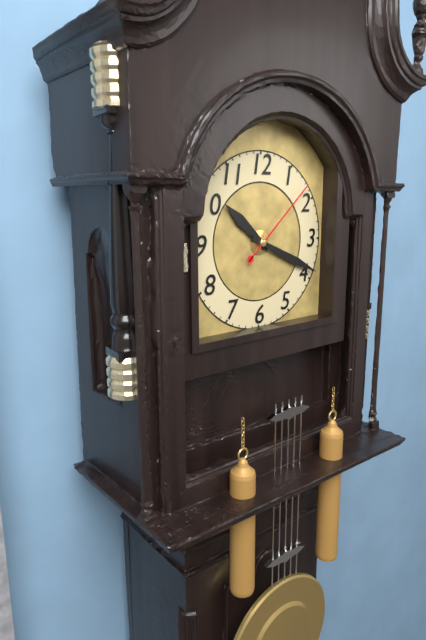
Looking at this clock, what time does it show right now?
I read 10:19:08
